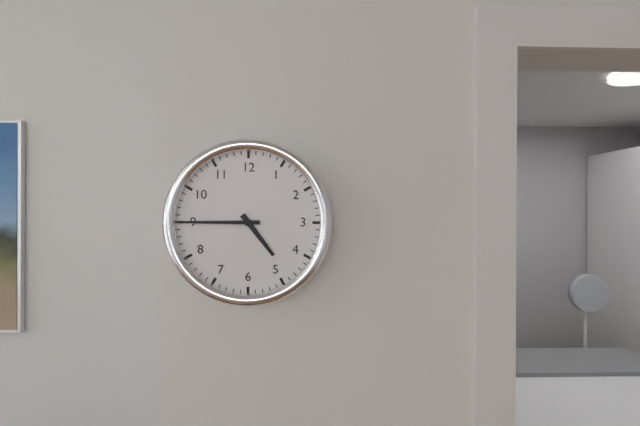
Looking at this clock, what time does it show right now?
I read 4:45
